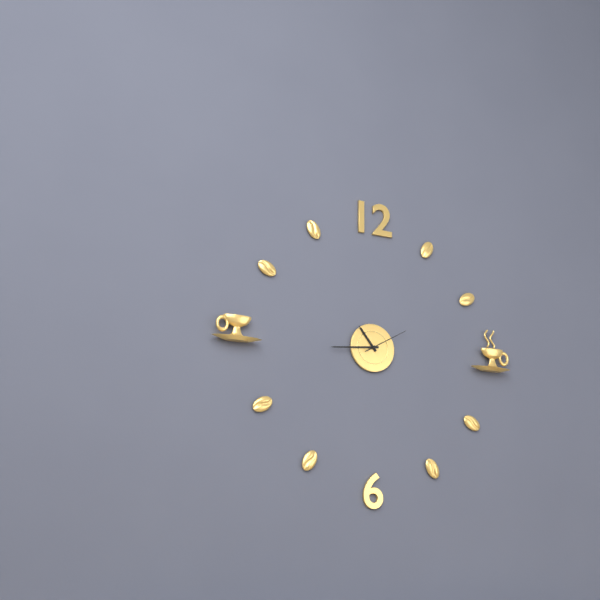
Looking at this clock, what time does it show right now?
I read 10:44
